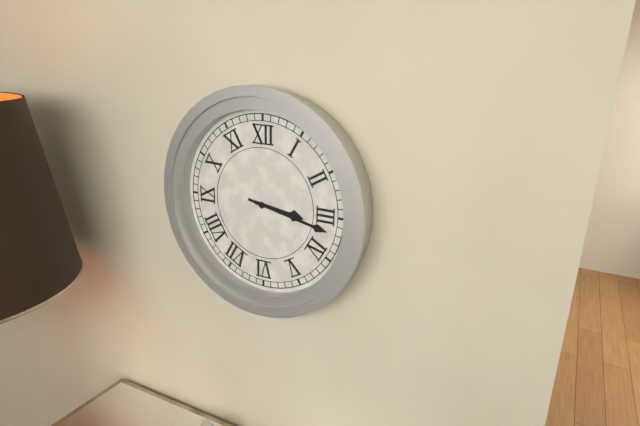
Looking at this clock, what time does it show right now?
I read 3:17
